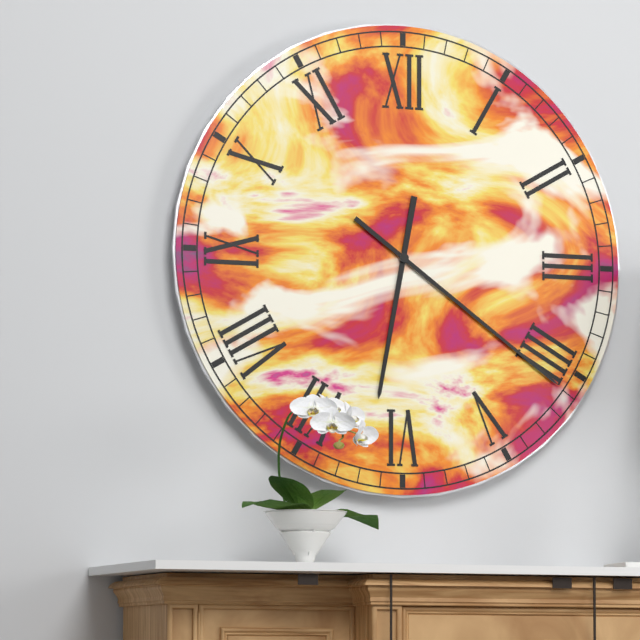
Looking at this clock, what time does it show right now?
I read 6:21
